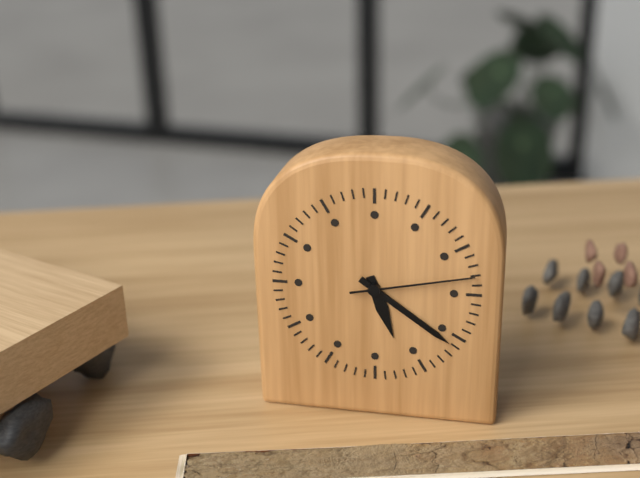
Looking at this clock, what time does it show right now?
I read 5:21:13
